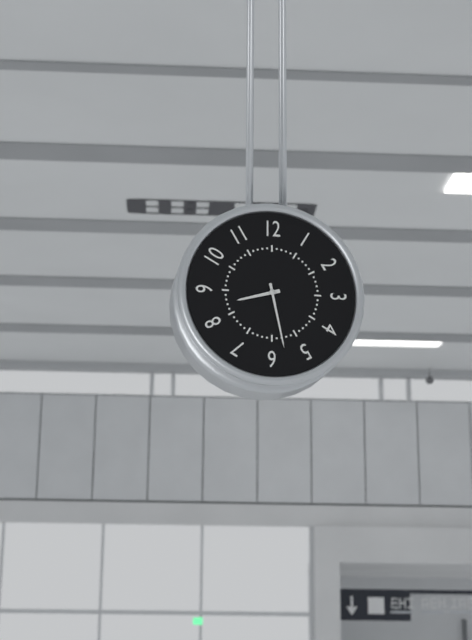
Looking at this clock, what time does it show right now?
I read 8:28
